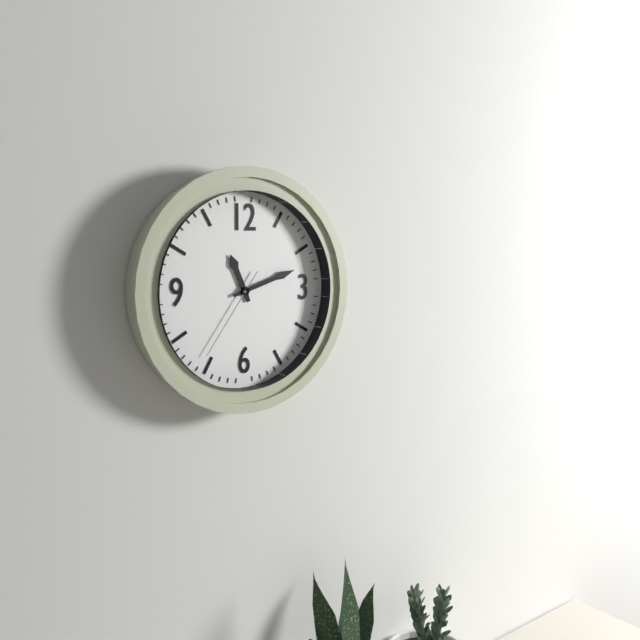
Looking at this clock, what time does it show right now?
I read 11:12:36
